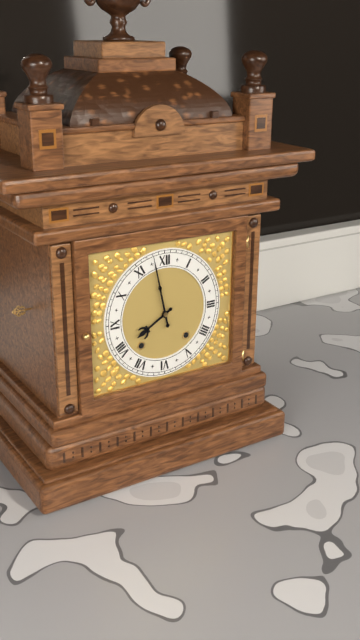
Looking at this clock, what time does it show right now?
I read 7:58
